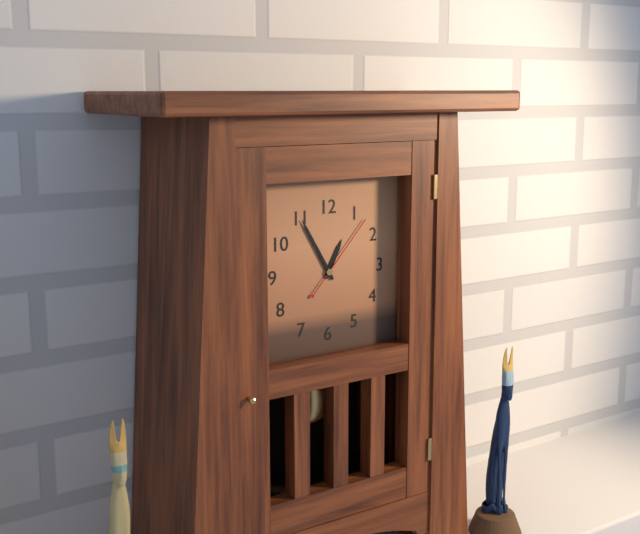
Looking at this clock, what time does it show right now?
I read 12:55:07
